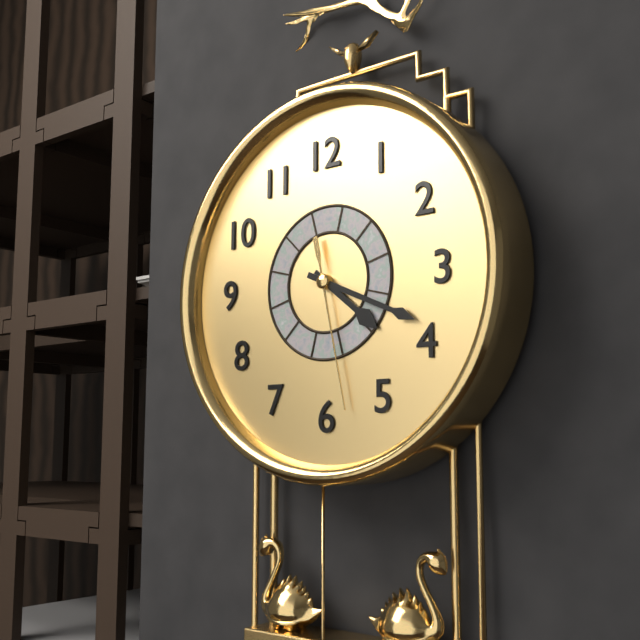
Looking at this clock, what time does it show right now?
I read 4:19:28
